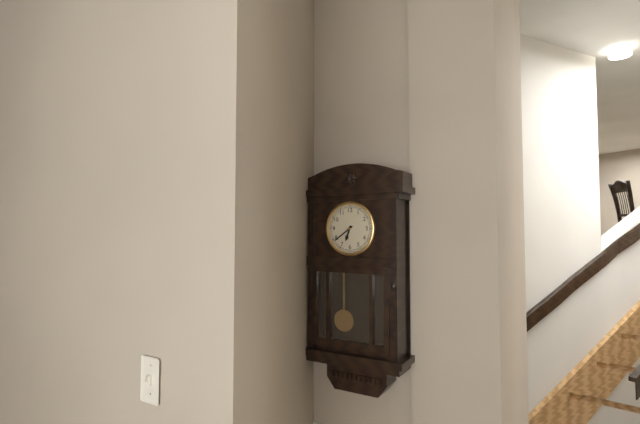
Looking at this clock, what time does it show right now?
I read 6:39
